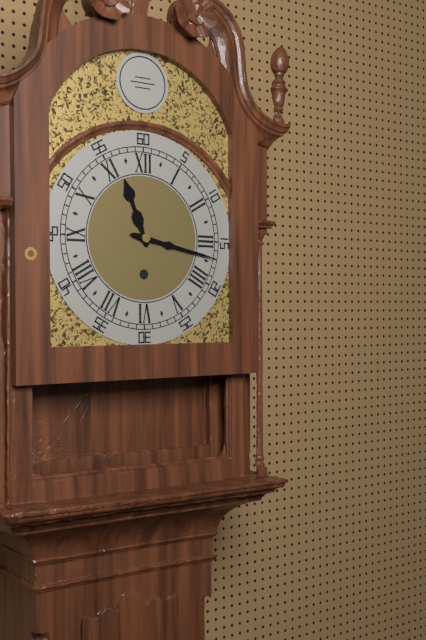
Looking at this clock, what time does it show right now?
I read 11:17
